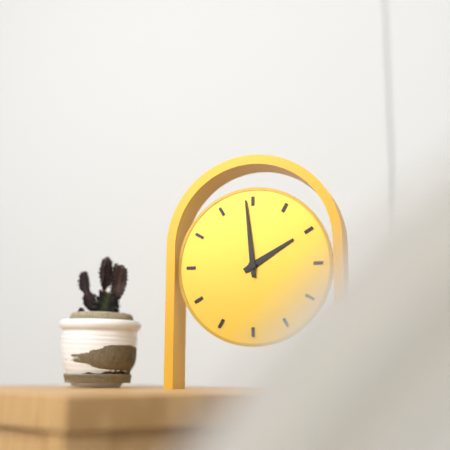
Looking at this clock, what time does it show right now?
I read 1:59
